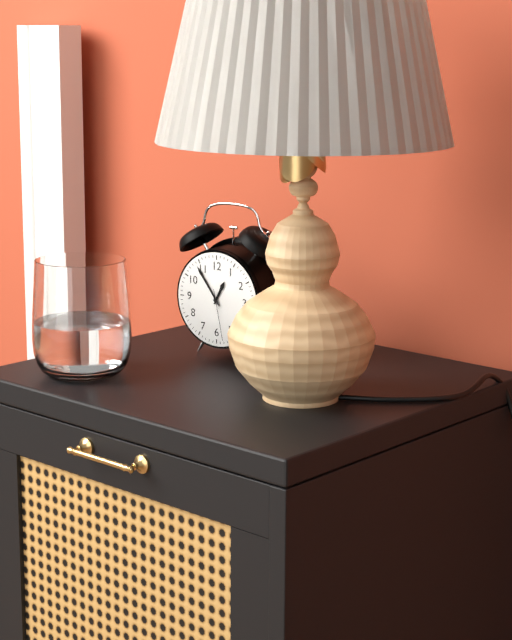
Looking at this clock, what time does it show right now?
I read 12:54:28
